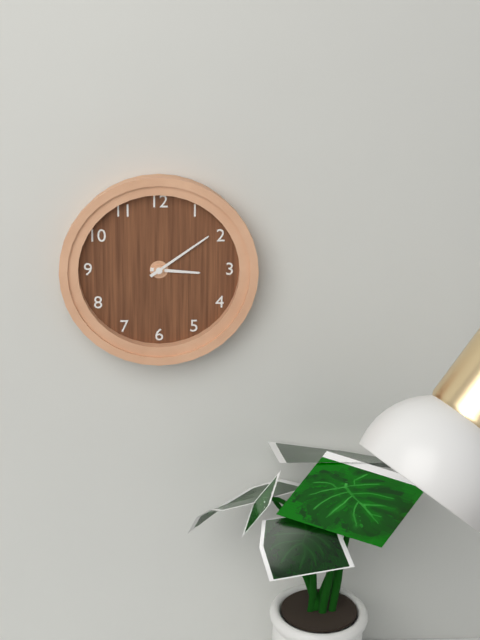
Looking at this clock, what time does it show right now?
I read 3:09
